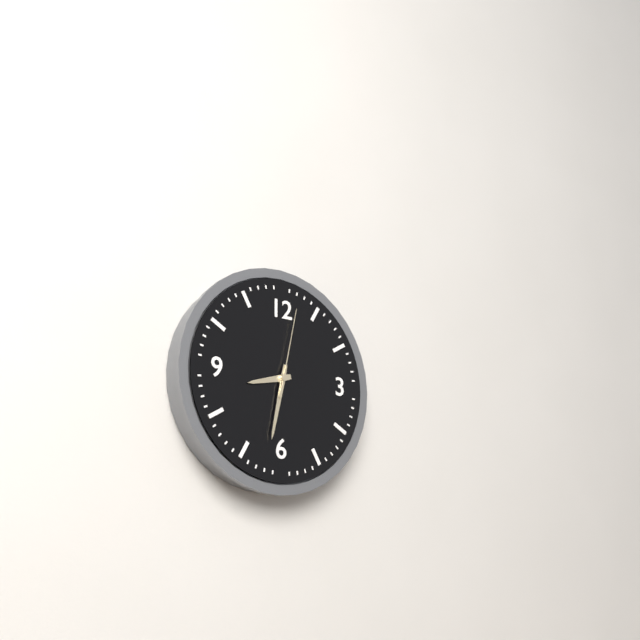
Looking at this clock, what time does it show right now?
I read 8:32:02
